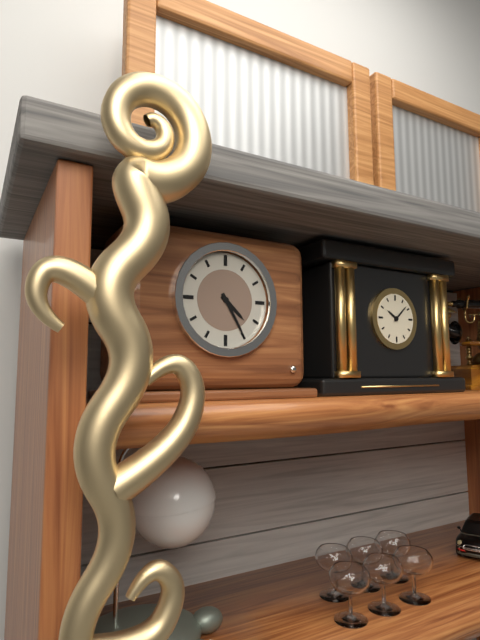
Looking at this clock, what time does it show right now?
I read 4:25
